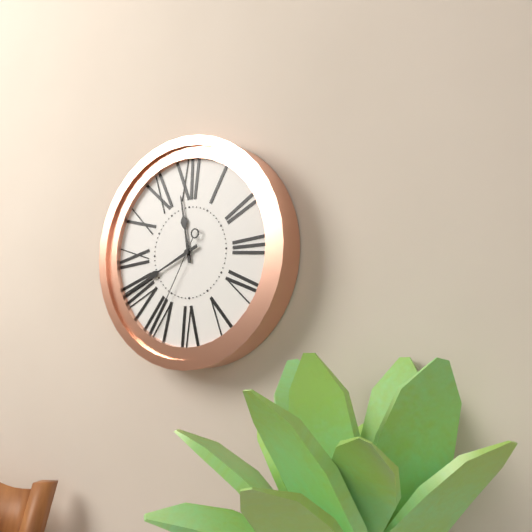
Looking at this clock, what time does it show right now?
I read 11:41:35
